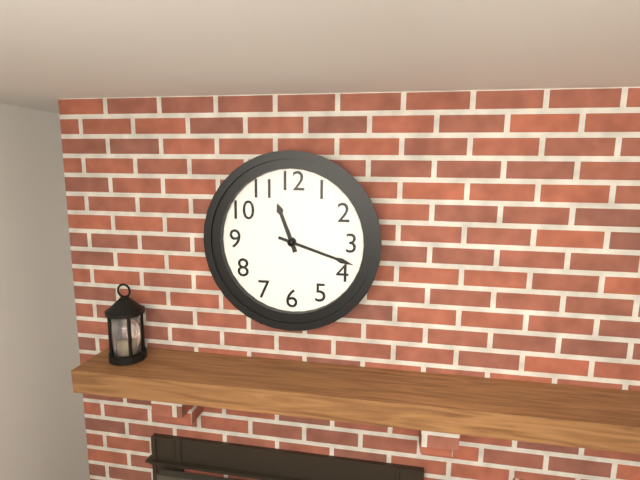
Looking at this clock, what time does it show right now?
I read 11:18
